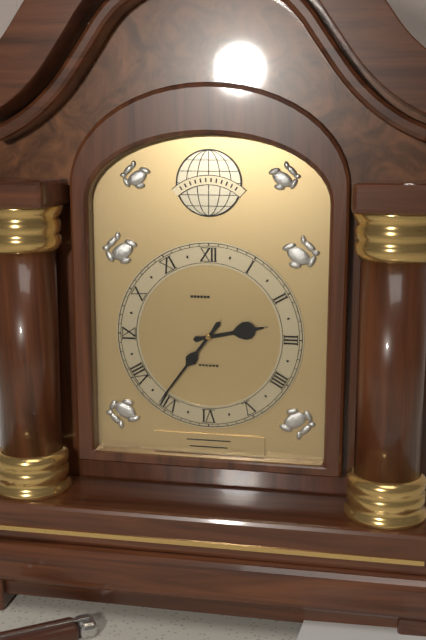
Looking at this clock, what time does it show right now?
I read 2:36
